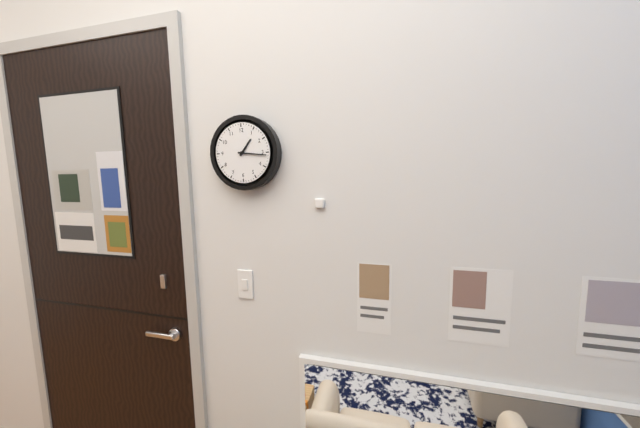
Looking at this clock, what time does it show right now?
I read 1:16
